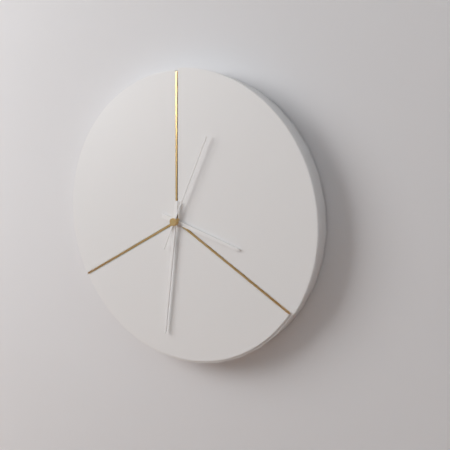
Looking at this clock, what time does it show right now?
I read 3:31:04
